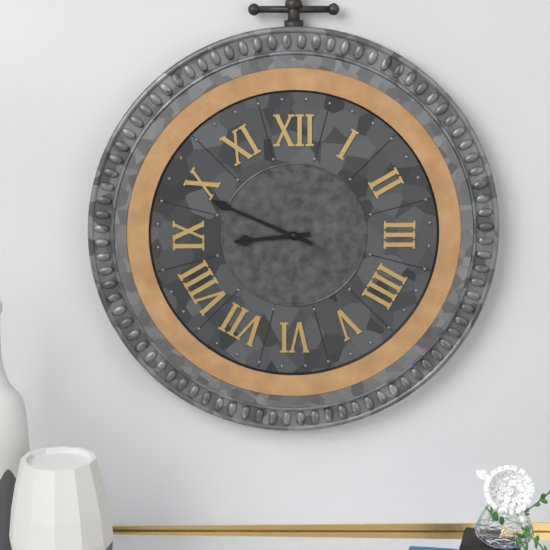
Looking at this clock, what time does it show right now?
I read 8:49
